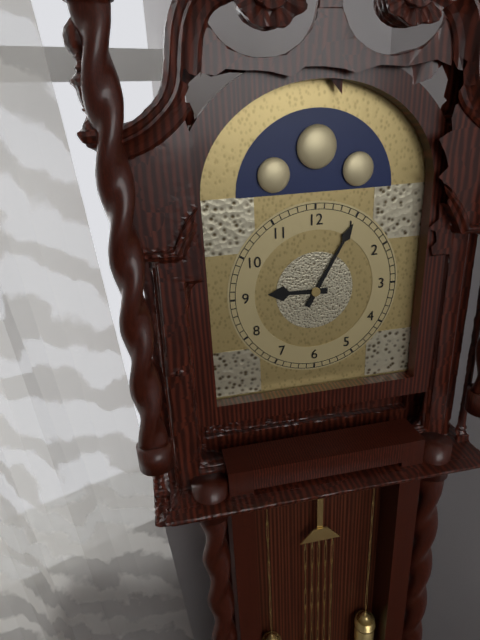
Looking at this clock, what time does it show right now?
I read 9:05
